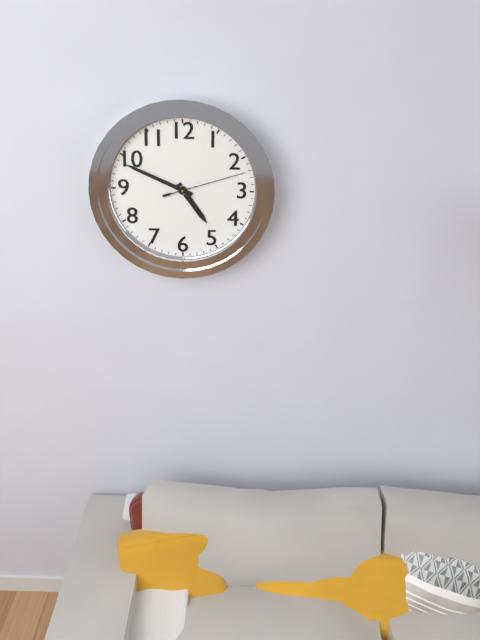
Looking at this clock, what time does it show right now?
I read 4:49:12
